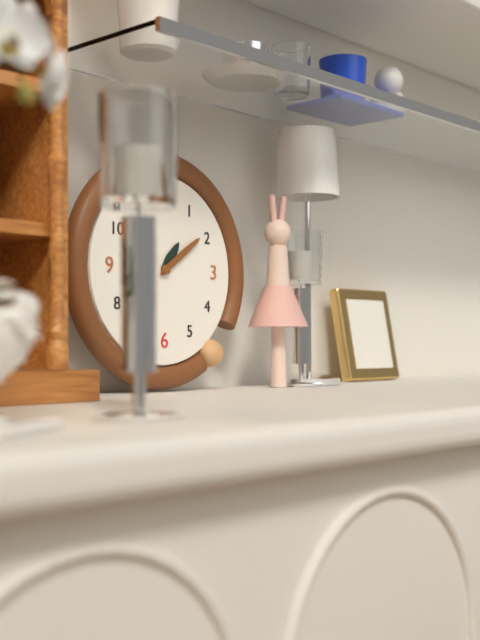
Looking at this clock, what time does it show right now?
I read 1:09
